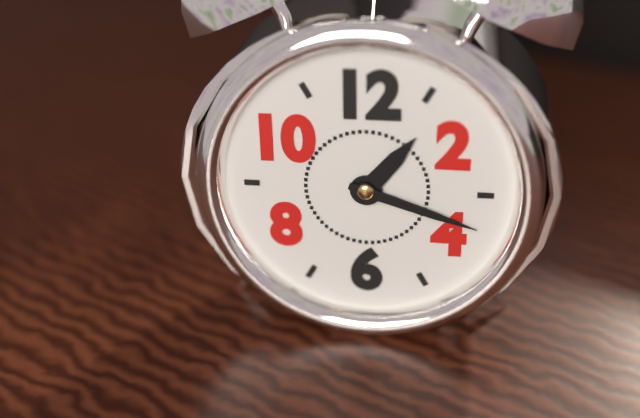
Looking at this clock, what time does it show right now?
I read 1:18
